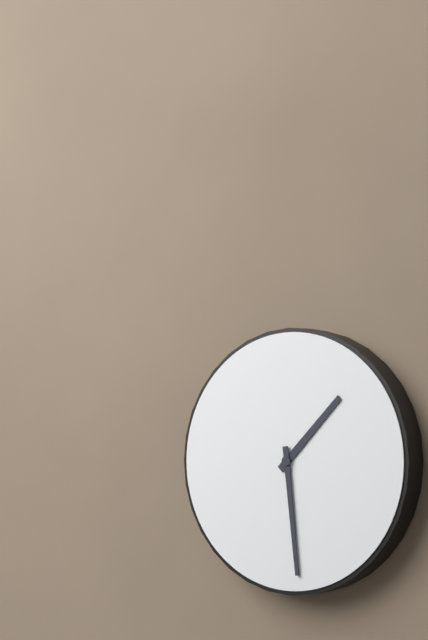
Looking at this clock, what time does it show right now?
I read 1:29
